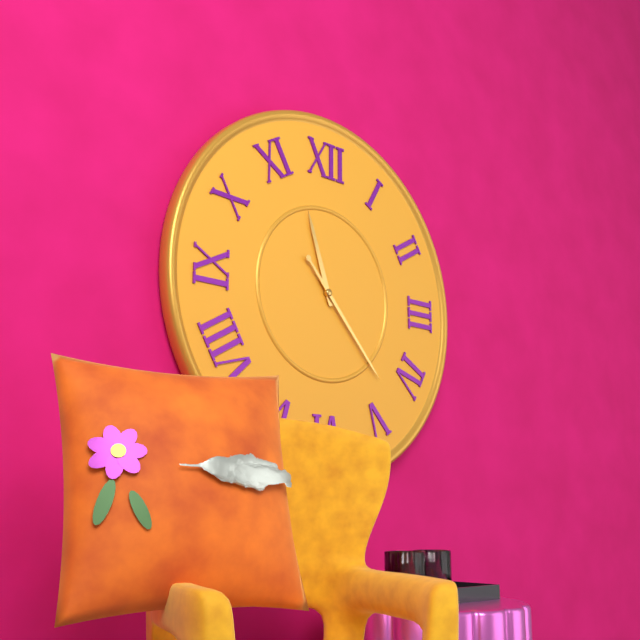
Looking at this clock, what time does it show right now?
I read 11:23
